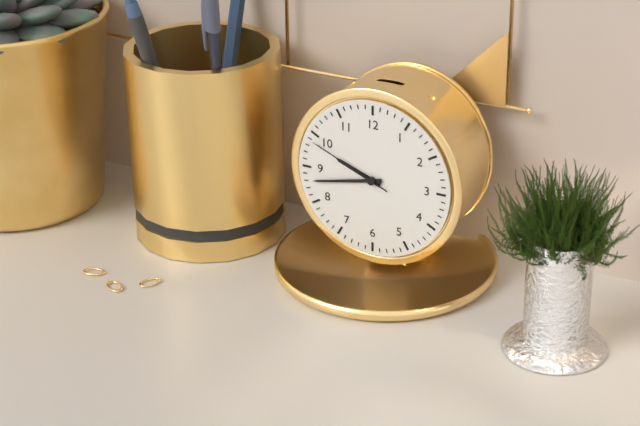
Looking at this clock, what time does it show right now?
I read 9:43:49
